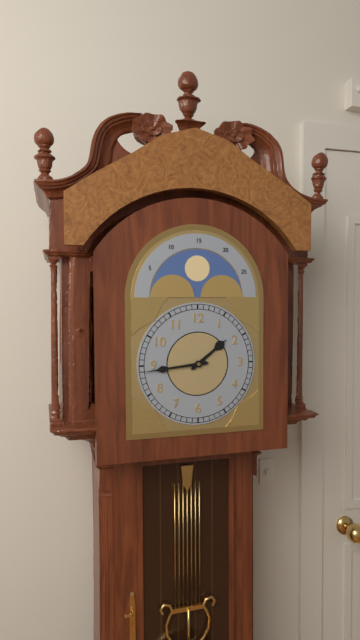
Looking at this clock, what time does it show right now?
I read 1:44
